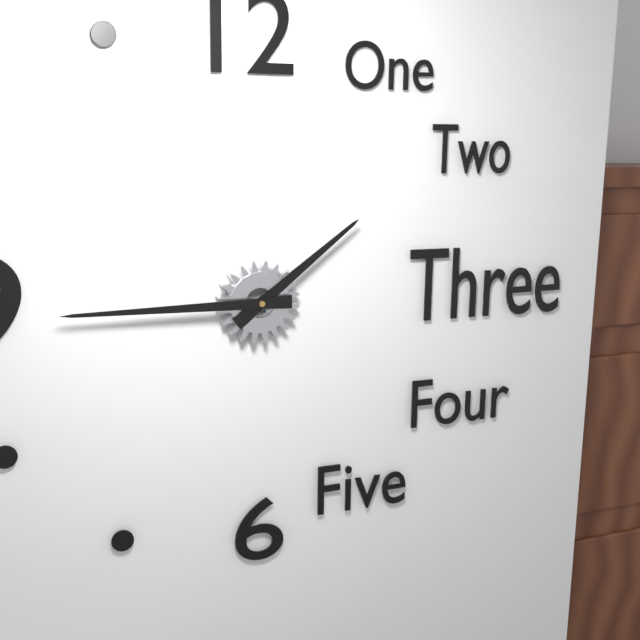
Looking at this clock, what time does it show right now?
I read 1:45
